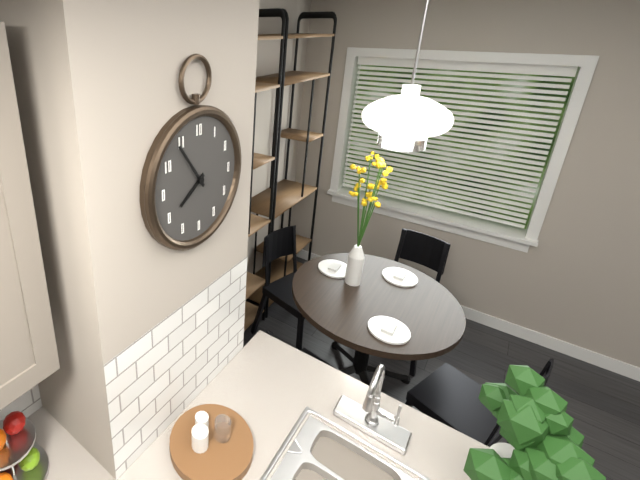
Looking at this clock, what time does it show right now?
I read 7:54
